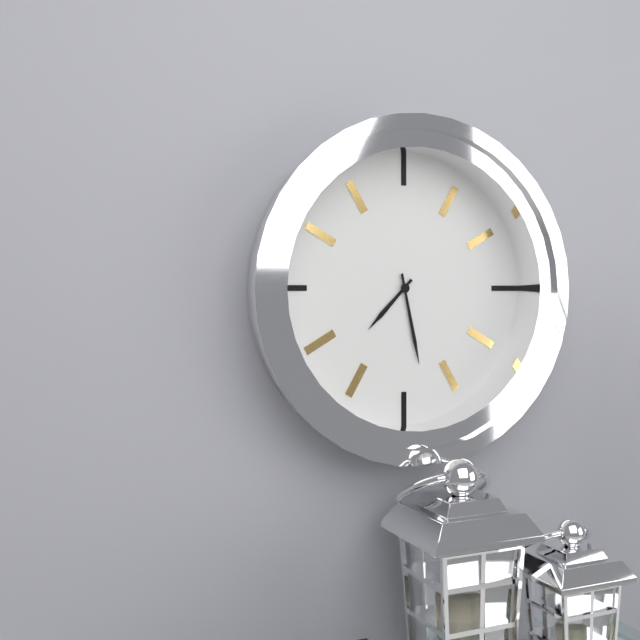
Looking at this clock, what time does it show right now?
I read 7:28
